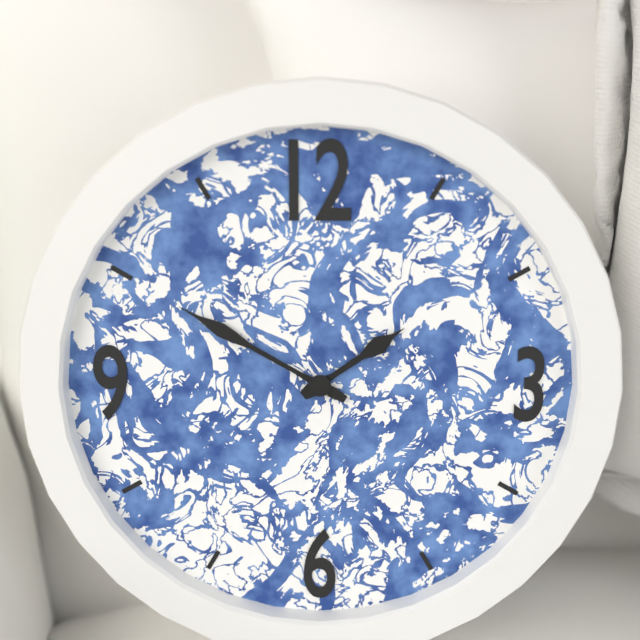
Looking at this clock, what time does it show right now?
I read 1:50
